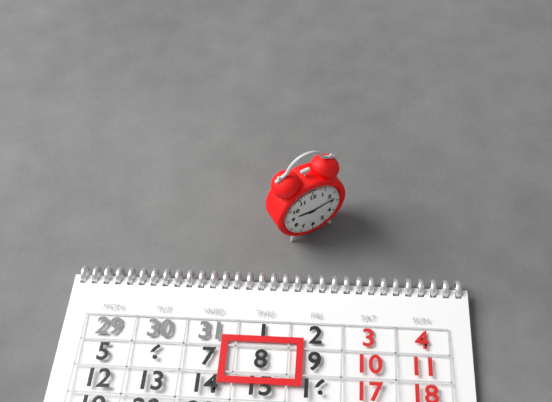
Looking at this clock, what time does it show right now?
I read 9:13
